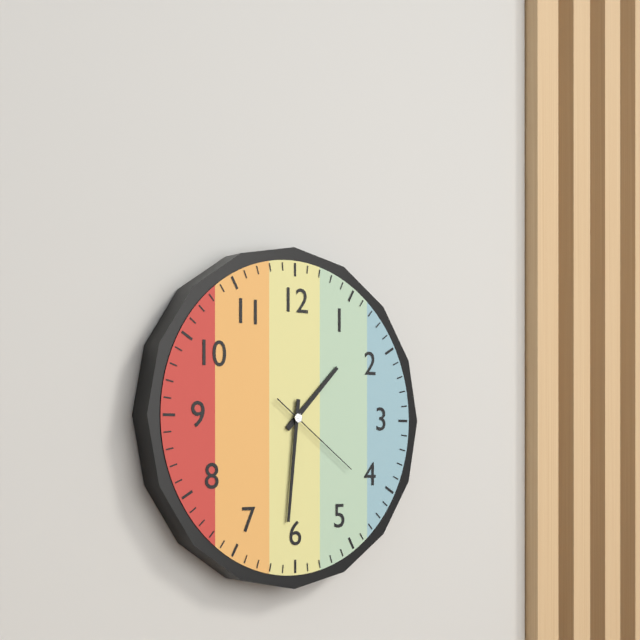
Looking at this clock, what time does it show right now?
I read 1:31:21
